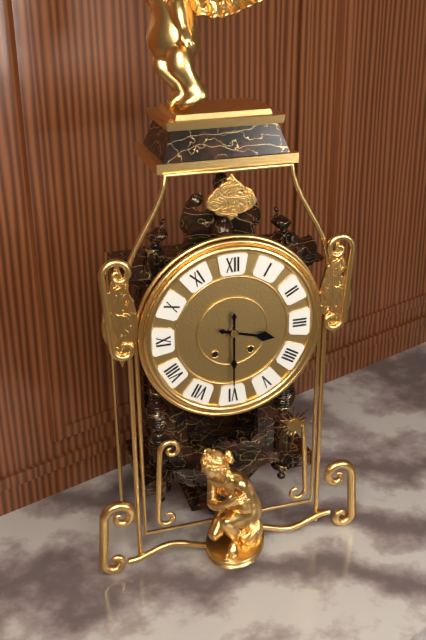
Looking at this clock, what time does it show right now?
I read 3:30
